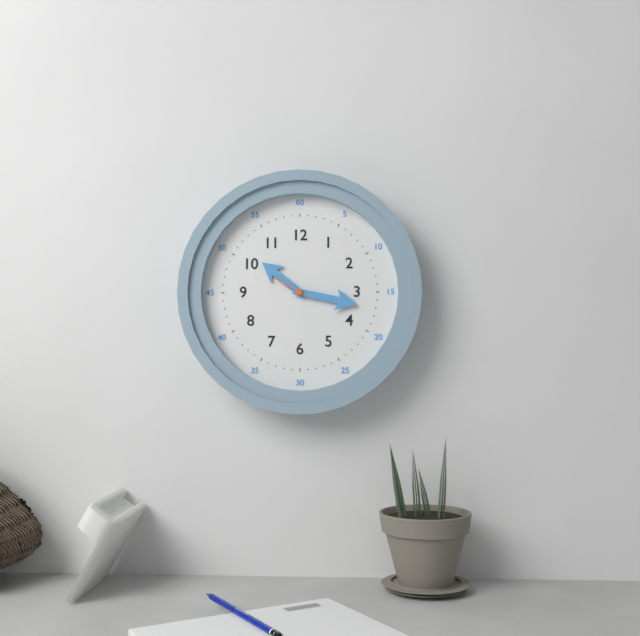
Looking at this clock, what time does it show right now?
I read 10:17
